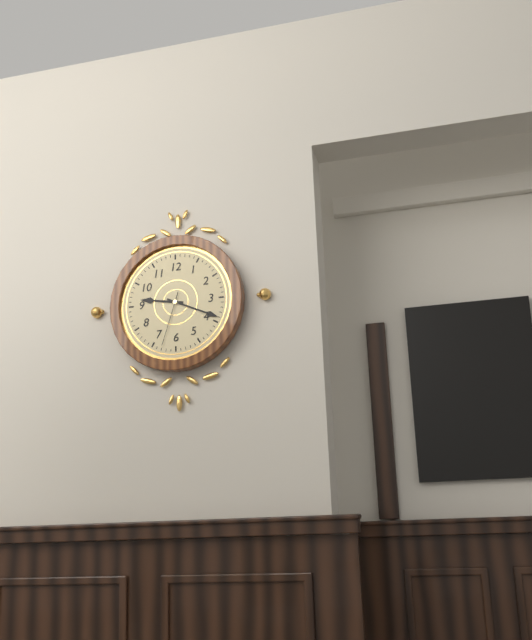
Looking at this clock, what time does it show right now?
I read 9:19:33
